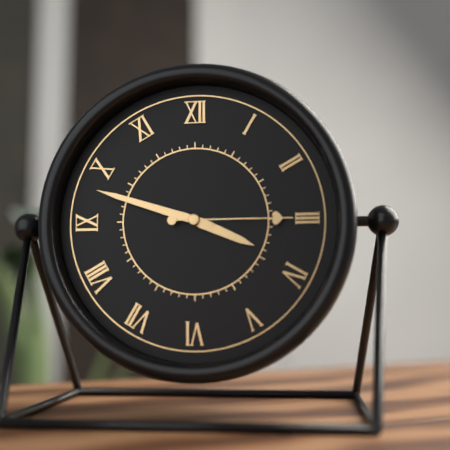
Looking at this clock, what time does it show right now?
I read 3:48:15
